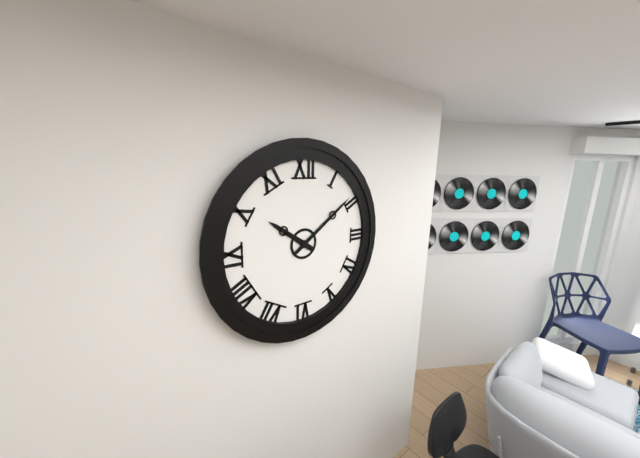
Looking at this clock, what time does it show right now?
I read 10:09
